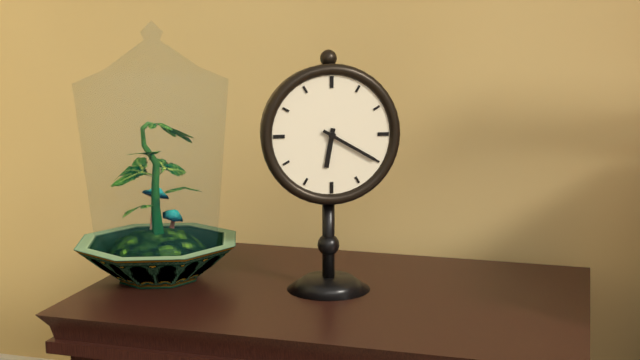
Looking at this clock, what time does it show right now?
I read 6:20
